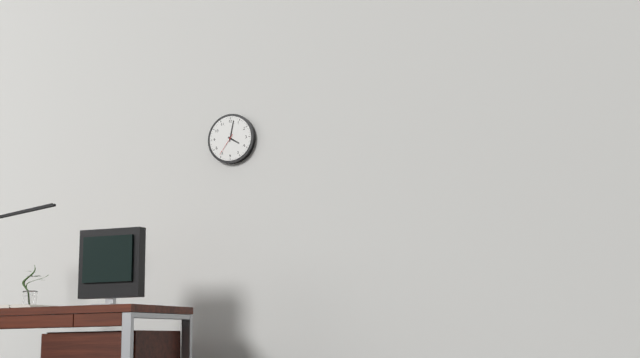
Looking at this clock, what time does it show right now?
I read 4:02
